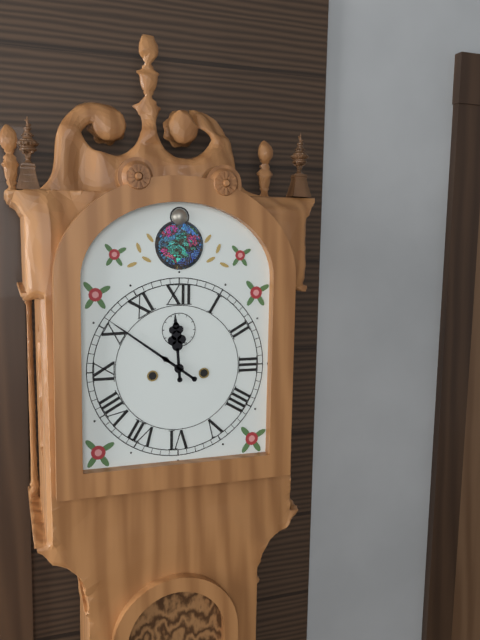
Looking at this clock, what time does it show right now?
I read 11:51
